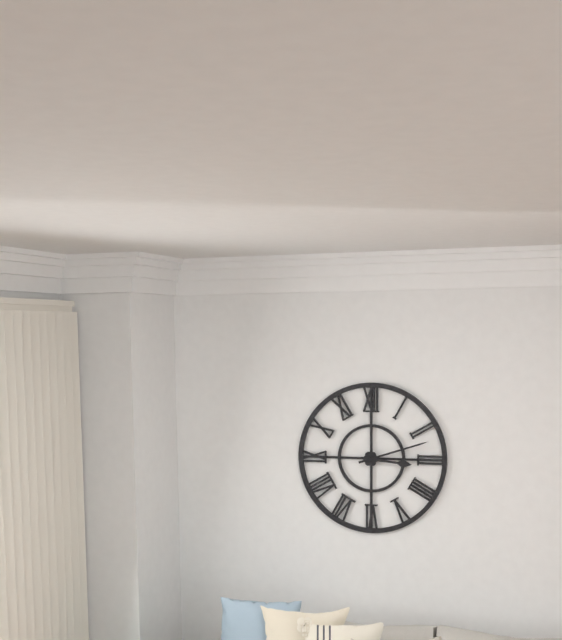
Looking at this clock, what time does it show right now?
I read 3:12
